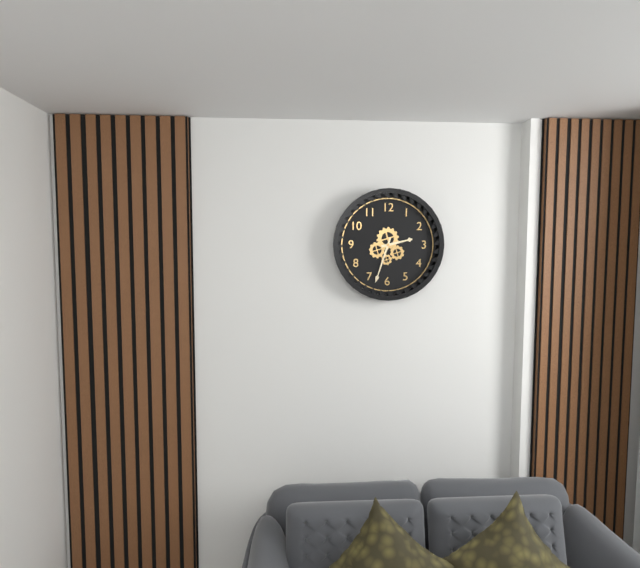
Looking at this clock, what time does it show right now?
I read 2:33
